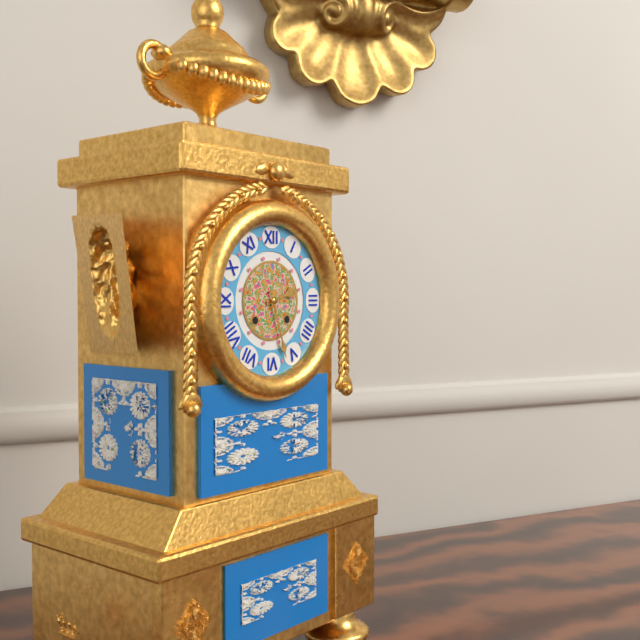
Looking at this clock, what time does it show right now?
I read 2:27
